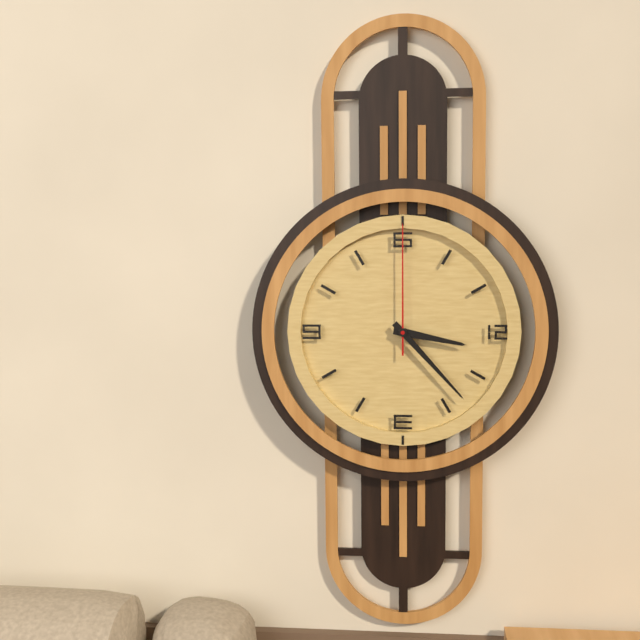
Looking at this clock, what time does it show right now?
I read 3:23:00
